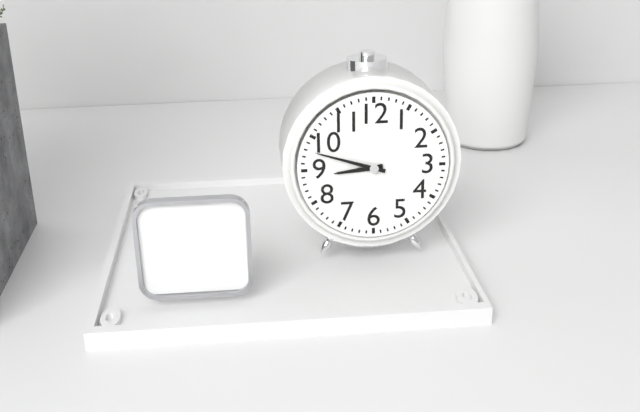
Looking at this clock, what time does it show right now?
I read 8:48
